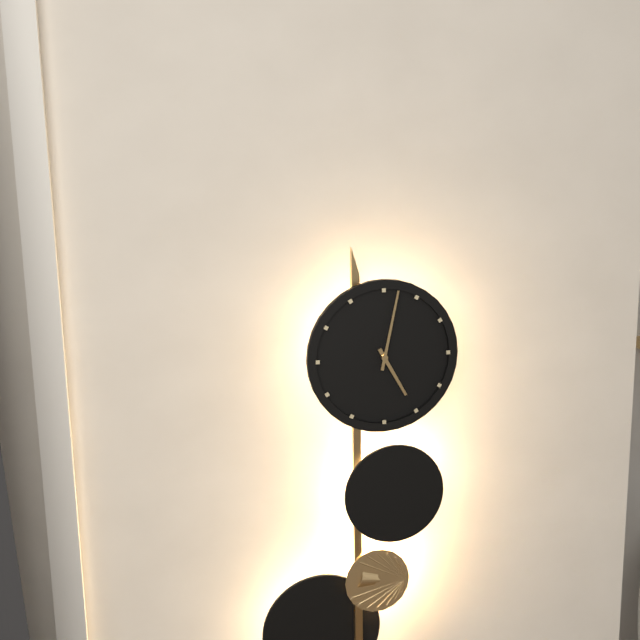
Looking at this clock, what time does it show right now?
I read 5:02
